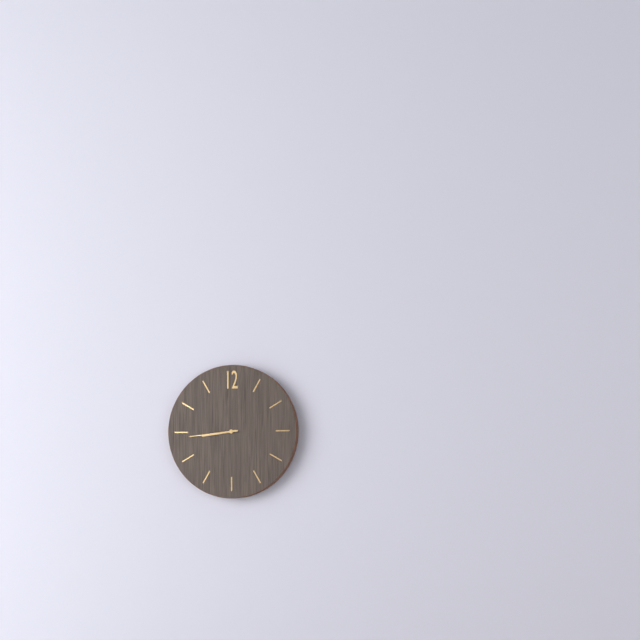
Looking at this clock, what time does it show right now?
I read 8:44
